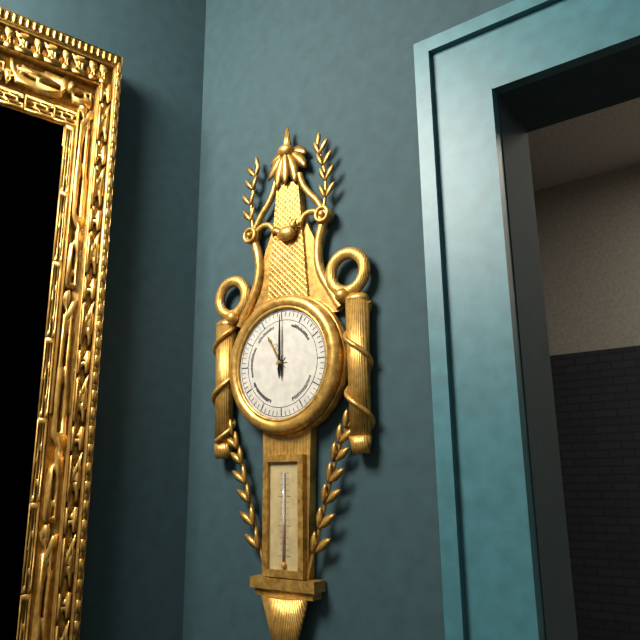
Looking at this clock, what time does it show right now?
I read 11:00
